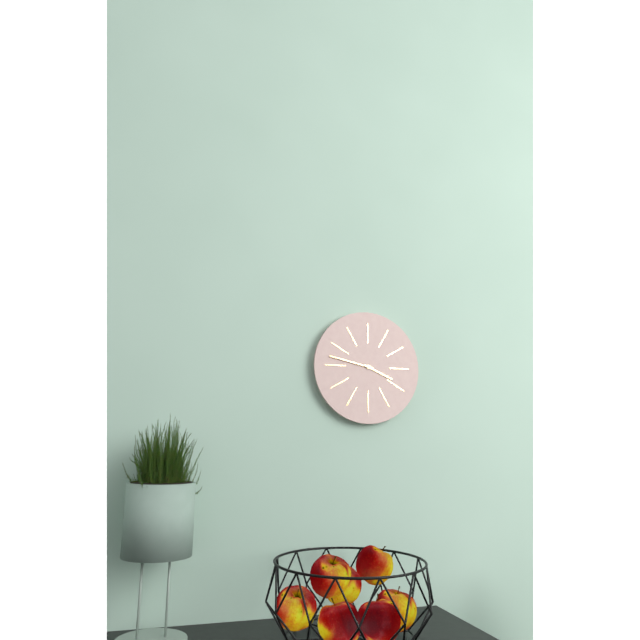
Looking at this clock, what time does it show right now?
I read 3:47
